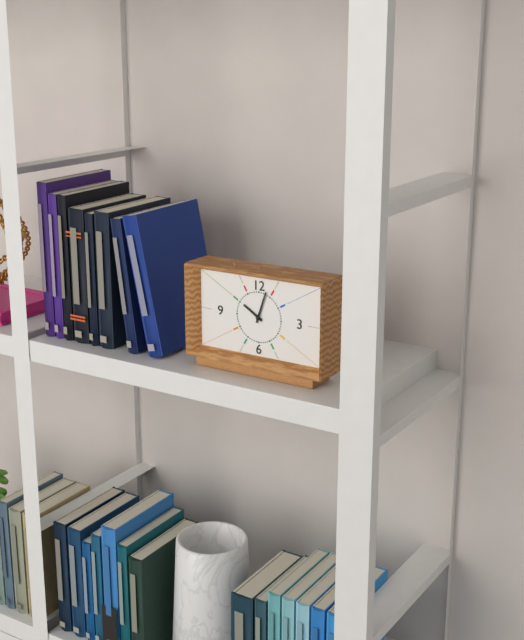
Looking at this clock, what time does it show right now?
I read 10:03
